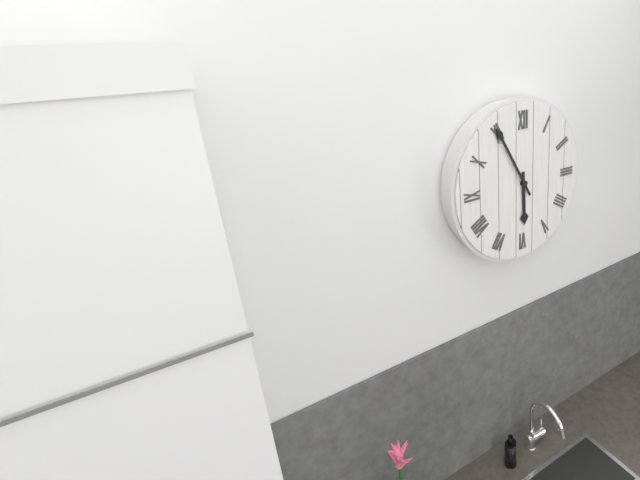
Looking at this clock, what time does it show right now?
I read 5:55
